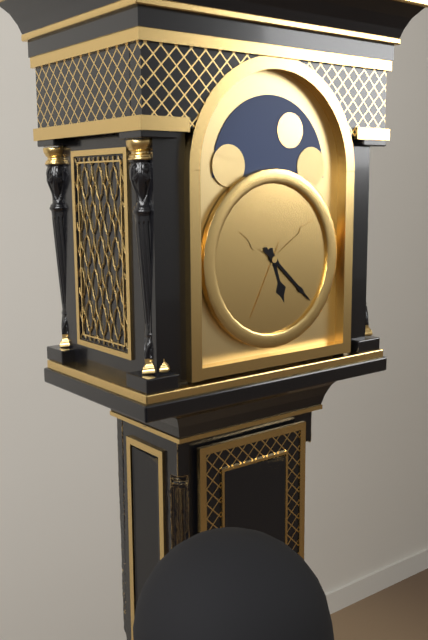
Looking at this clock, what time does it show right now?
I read 5:22
